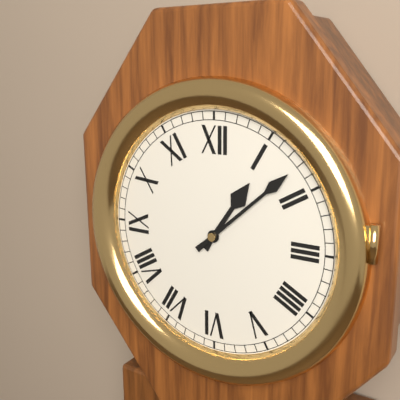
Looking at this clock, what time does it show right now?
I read 1:08
